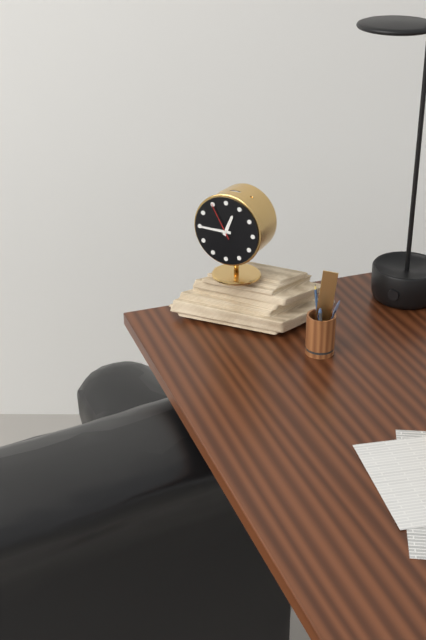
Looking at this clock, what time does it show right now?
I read 12:45
